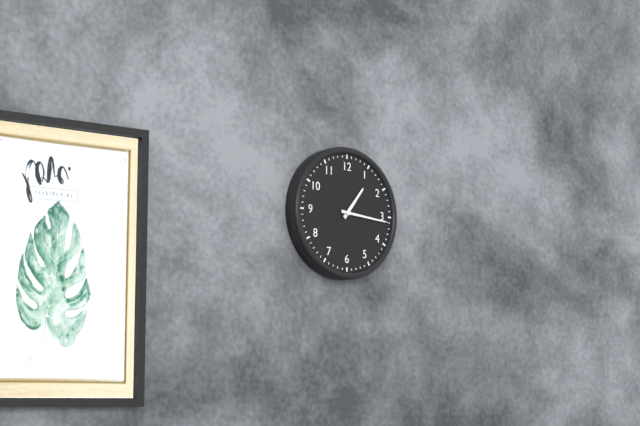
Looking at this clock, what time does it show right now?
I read 1:16
